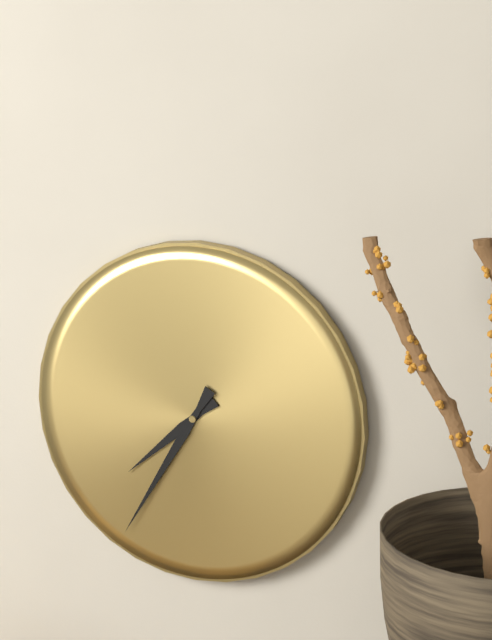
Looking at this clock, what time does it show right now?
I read 7:35
